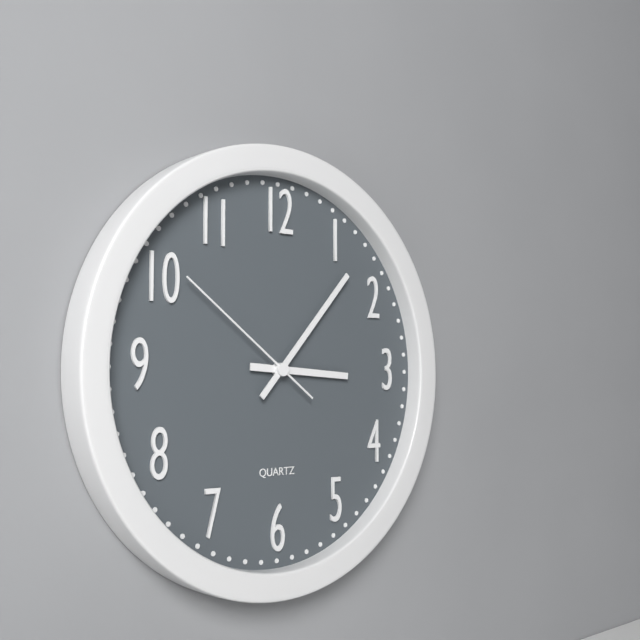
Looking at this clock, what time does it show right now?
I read 3:07:51
